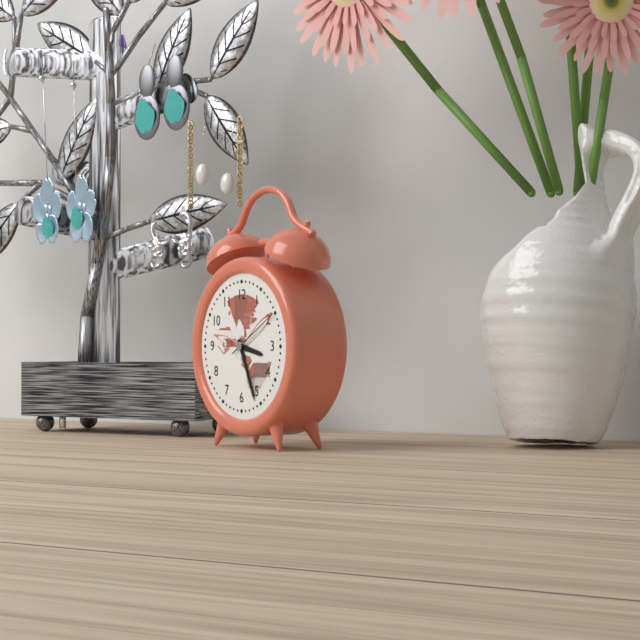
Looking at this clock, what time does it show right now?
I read 3:26:10
